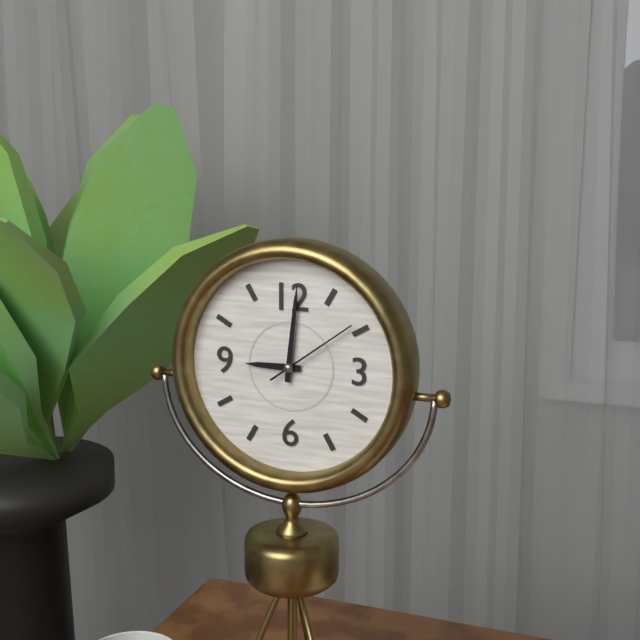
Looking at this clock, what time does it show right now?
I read 9:01:09
